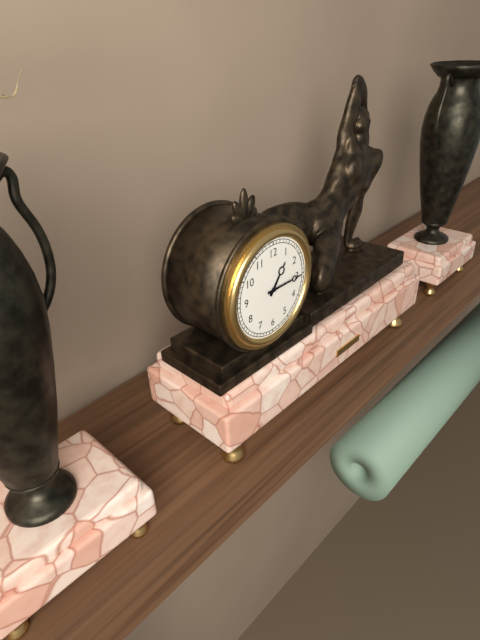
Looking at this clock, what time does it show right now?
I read 1:15
